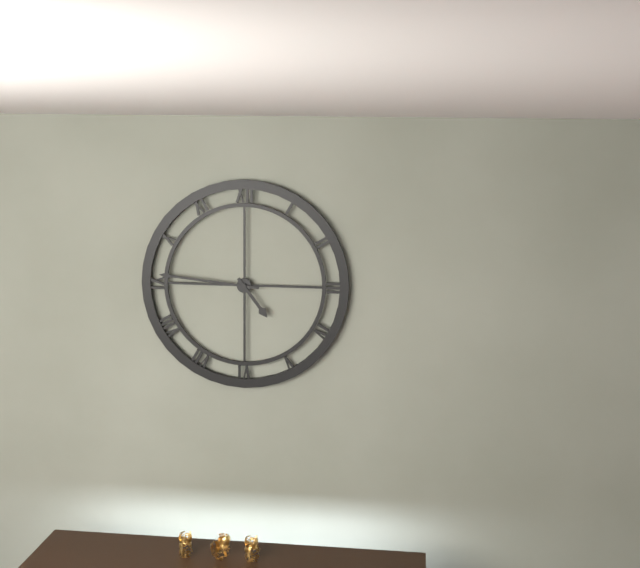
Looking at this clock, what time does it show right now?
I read 4:46
